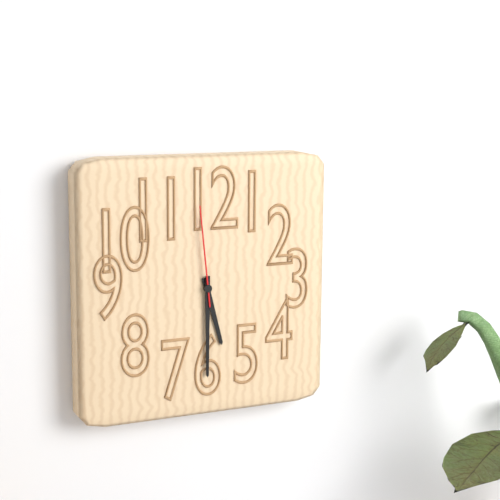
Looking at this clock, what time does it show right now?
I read 5:30:59
